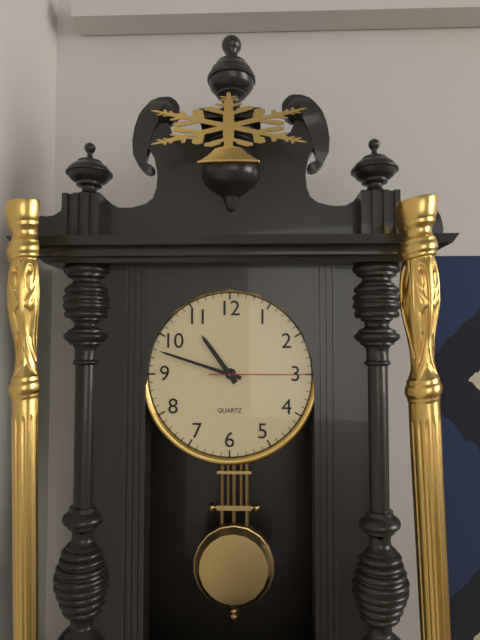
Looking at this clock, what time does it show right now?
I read 10:48:15
